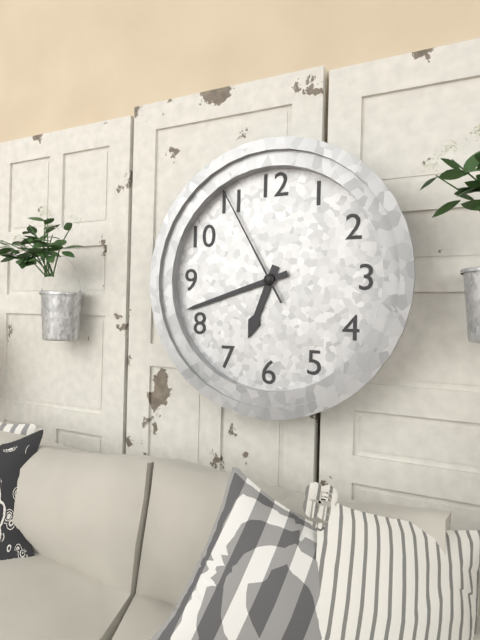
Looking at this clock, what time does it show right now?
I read 6:42:55
